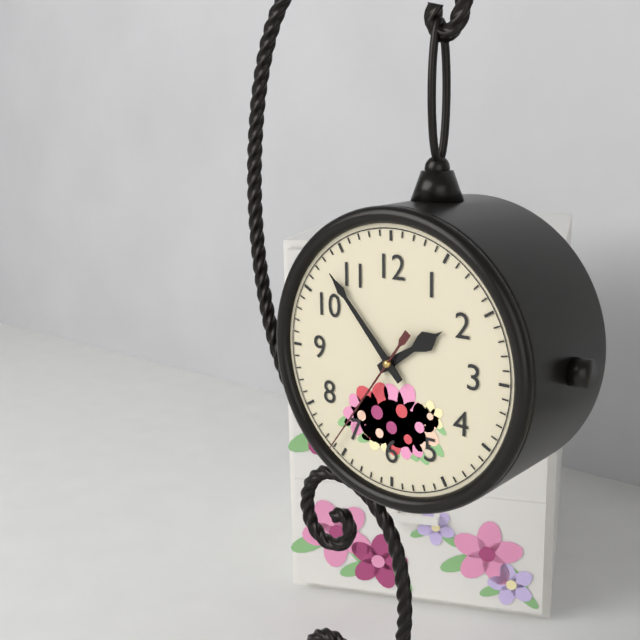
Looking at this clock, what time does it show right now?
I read 1:53:36
